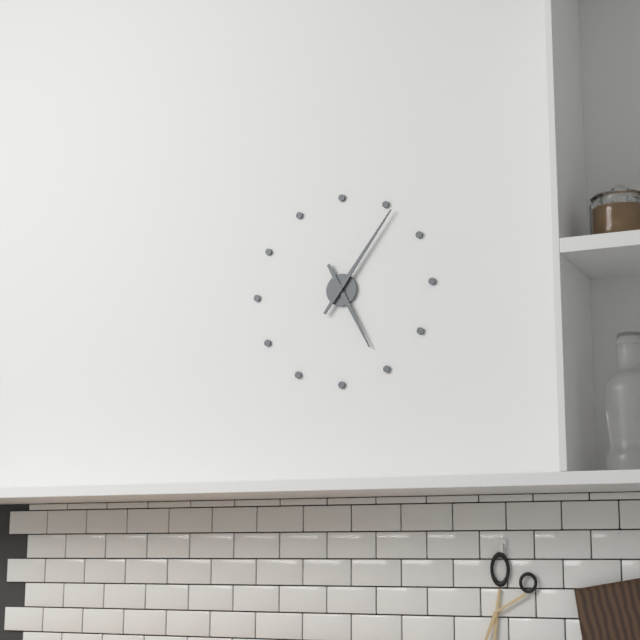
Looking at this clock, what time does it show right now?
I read 5:06
